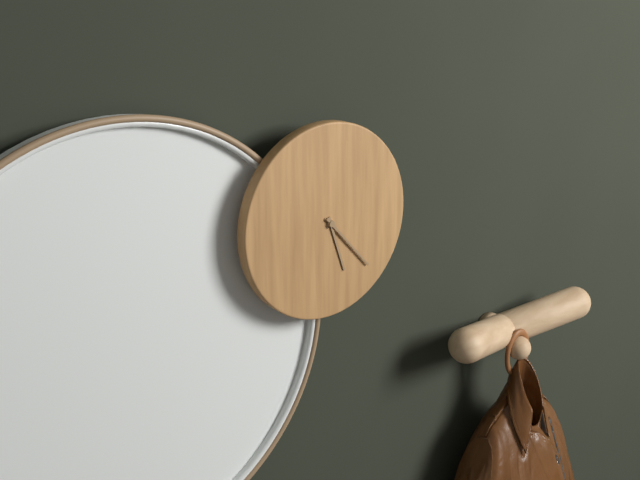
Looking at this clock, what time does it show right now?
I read 5:23
